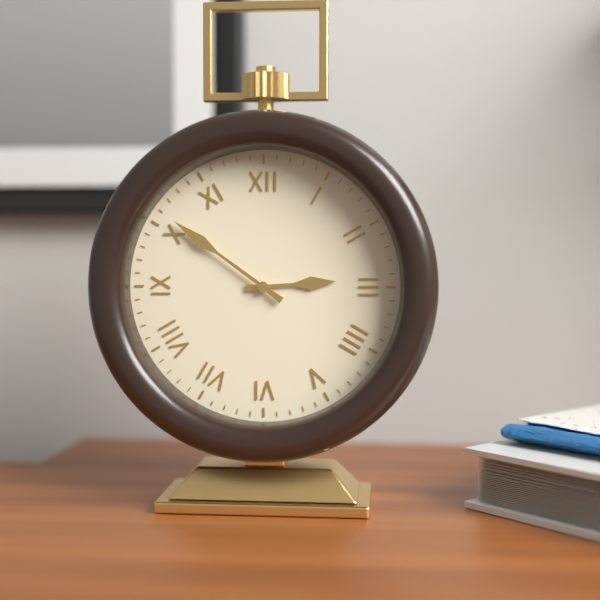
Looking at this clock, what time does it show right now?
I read 2:51
